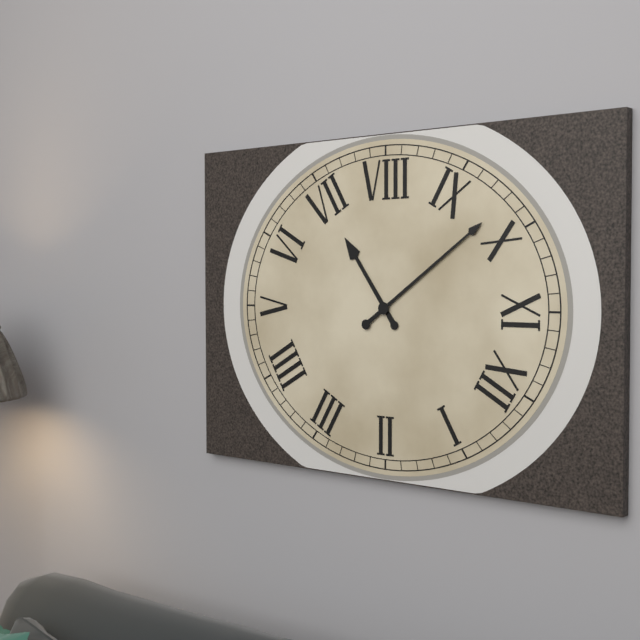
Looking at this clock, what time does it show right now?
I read 6:49
